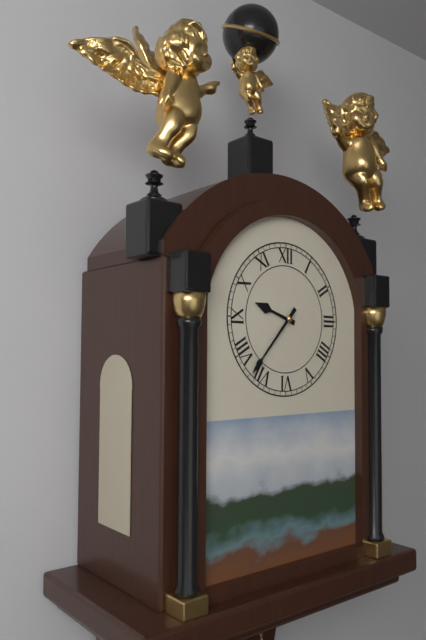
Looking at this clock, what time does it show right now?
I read 9:37
